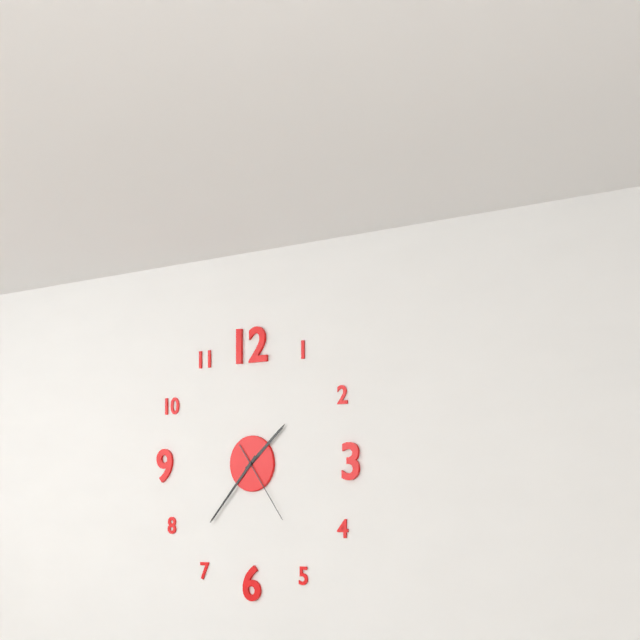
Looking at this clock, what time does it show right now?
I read 1:37:24
